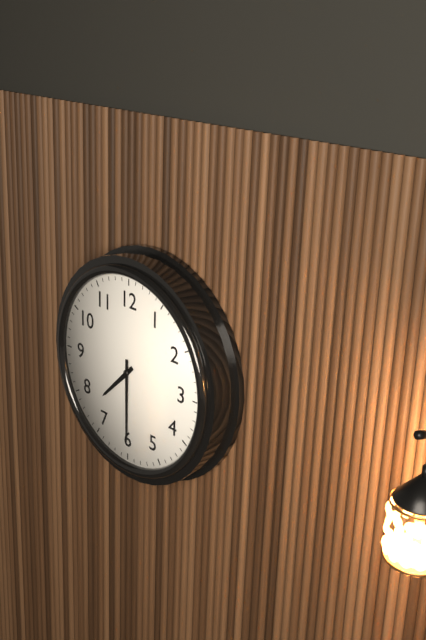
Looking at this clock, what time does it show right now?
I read 7:30
